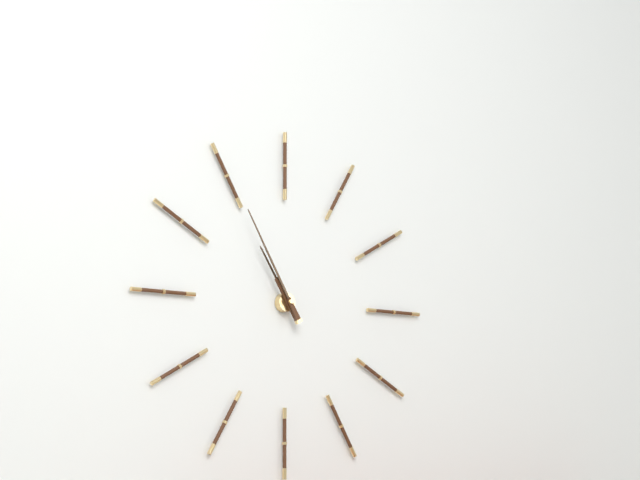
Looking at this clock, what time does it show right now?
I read 10:55
